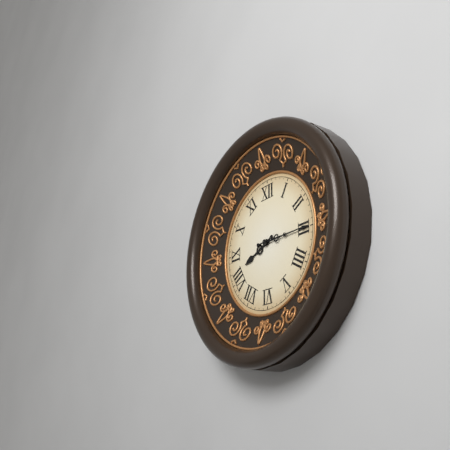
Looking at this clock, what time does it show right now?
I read 8:15
